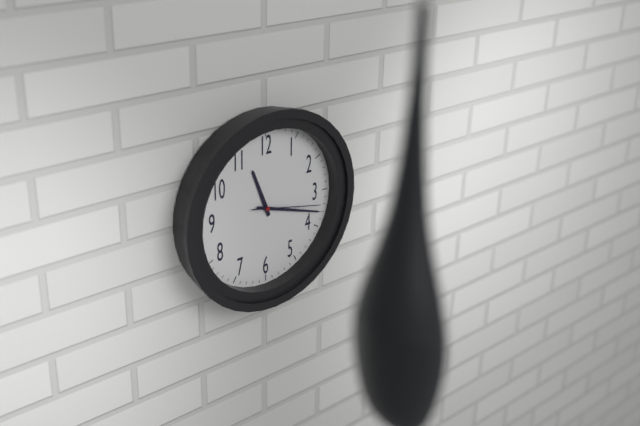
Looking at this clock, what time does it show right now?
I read 11:18:17
